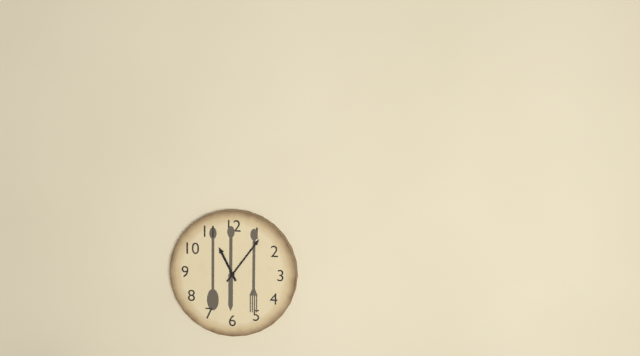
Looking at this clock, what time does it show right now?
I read 11:06
